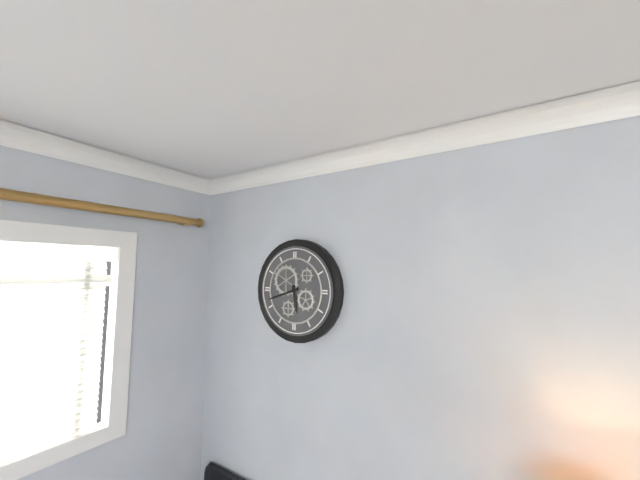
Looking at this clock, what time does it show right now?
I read 5:42
